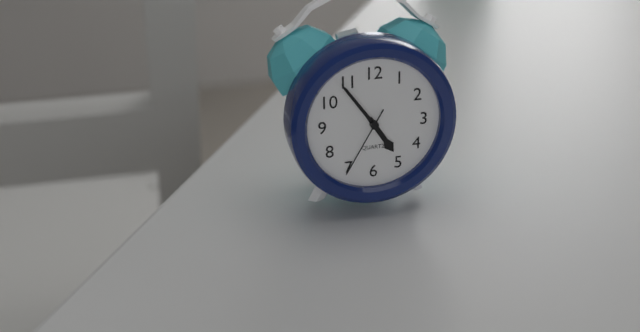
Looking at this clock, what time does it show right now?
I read 4:54:35
